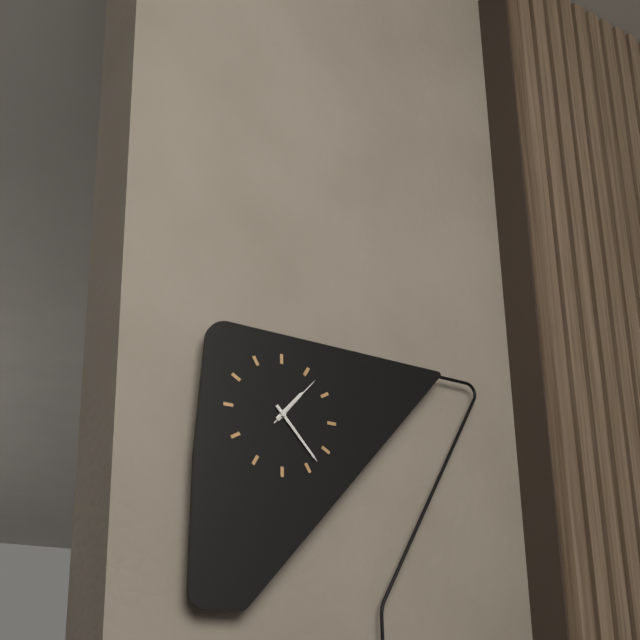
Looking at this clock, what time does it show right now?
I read 1:23:07
